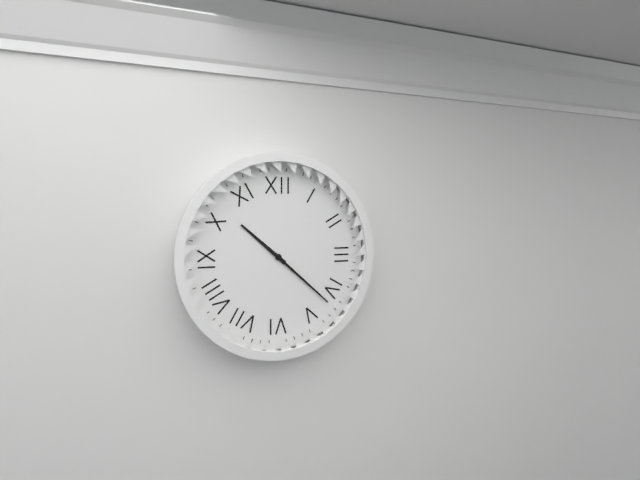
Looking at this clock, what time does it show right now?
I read 10:22
